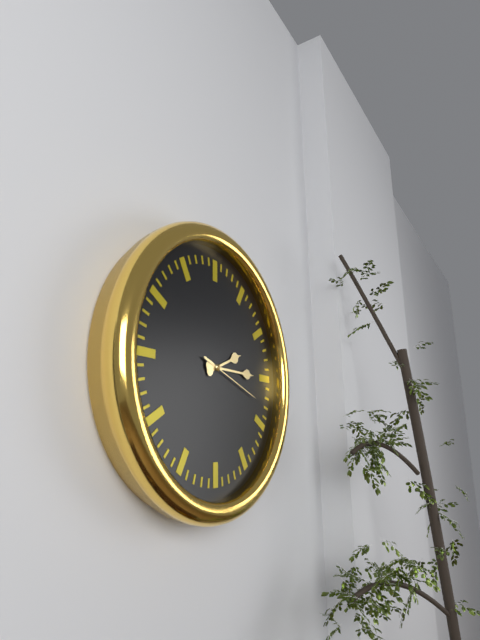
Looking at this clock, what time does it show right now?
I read 2:15:18
